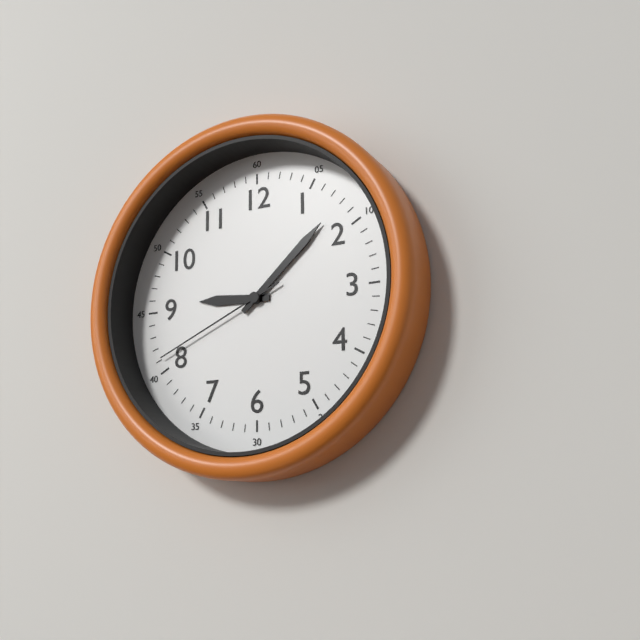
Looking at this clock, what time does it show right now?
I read 9:08:41
